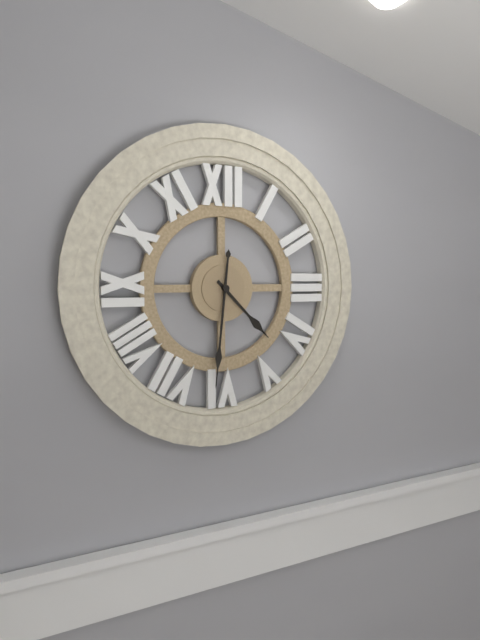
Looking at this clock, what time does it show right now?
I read 4:31
